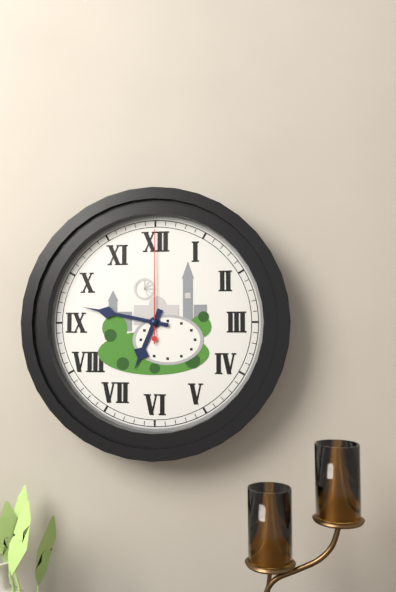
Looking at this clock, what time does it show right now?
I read 6:47:00
